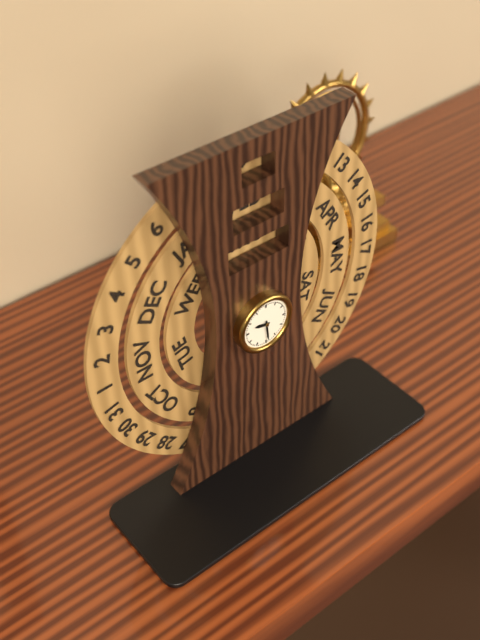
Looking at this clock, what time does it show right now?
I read 9:29
